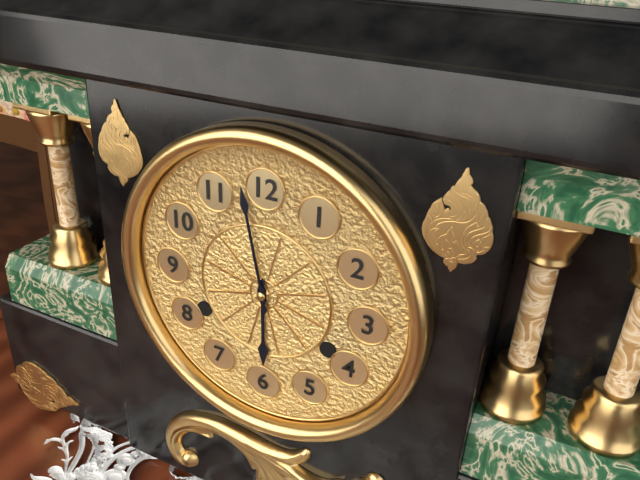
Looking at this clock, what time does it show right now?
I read 5:58
